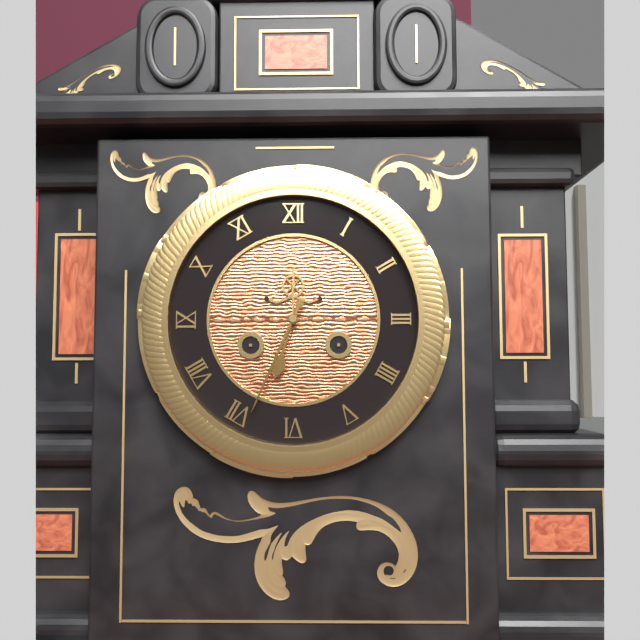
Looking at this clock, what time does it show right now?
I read 6:34
